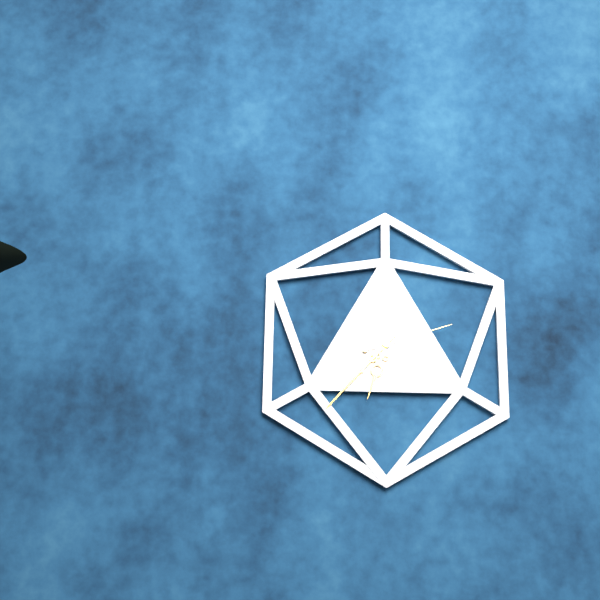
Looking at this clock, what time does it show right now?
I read 6:37:12
